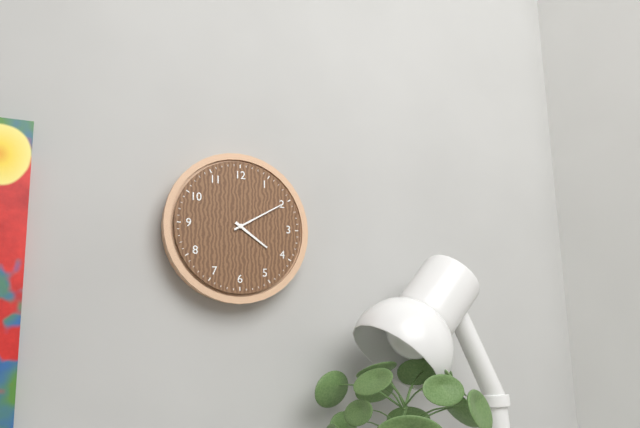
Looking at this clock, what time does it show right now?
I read 4:10
